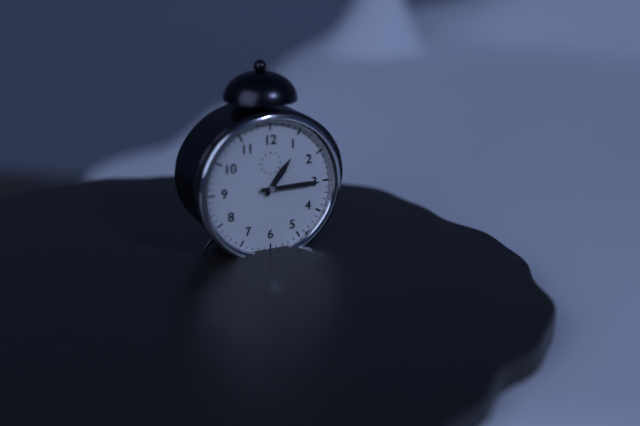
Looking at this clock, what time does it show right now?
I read 1:15
